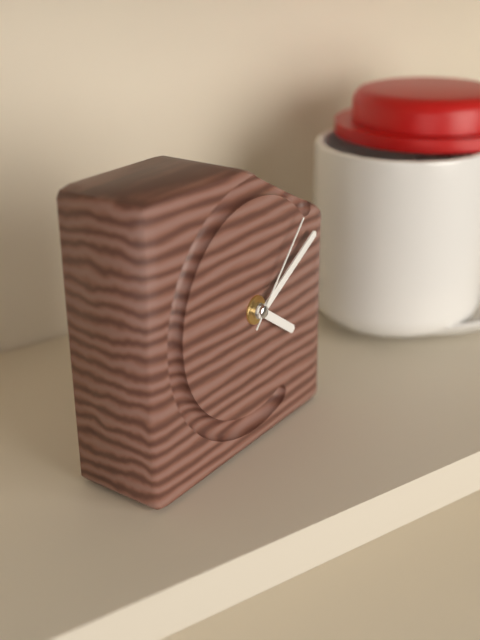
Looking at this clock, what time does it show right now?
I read 4:10:07
